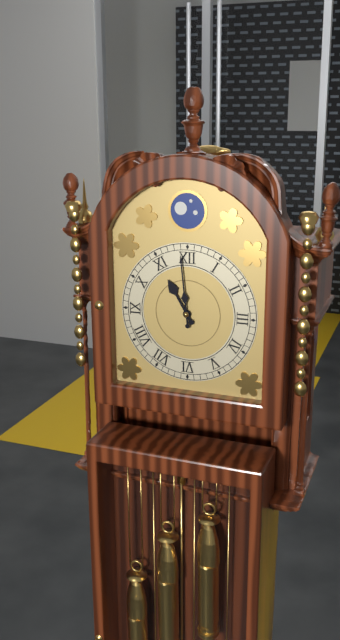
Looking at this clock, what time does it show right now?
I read 10:59
